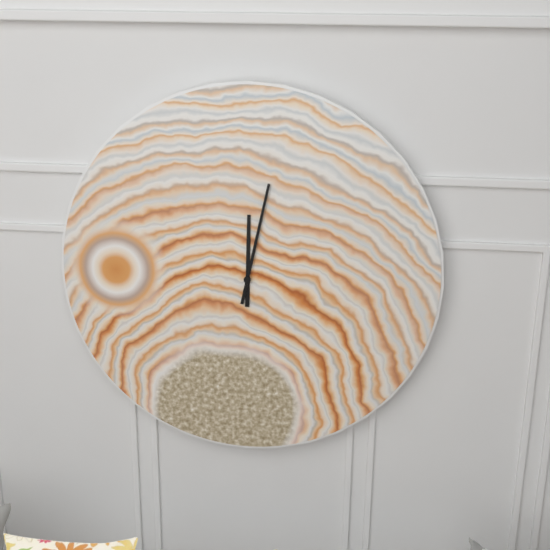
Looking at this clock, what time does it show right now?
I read 12:02
